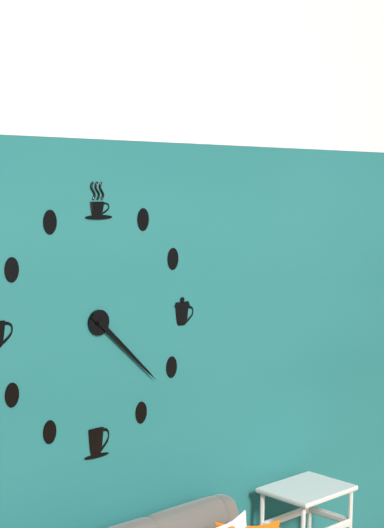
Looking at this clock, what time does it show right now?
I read 4:22
